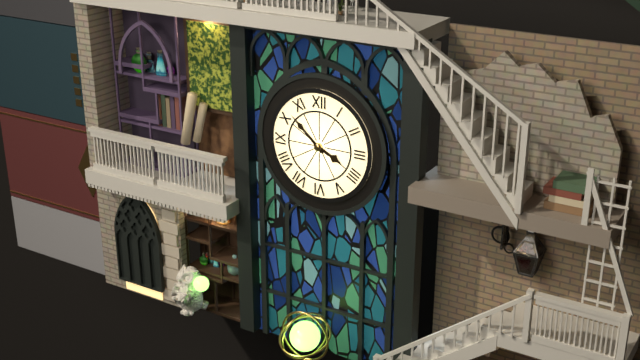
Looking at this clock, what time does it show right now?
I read 3:52
